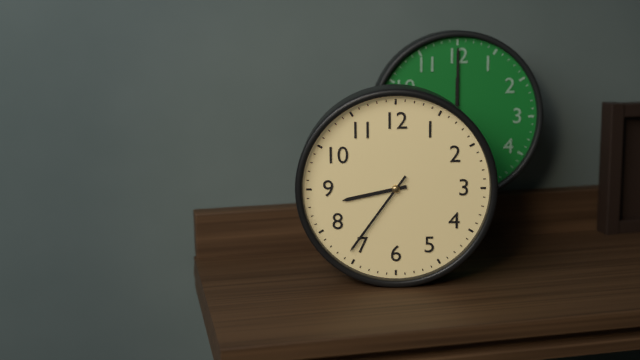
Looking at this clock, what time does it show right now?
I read 8:36
